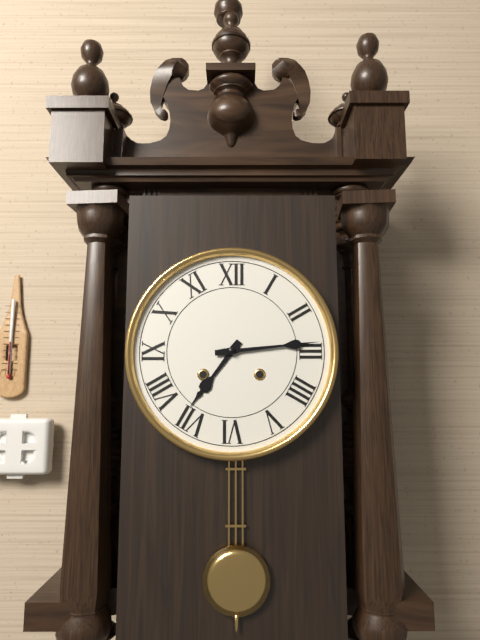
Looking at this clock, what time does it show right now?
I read 7:14
